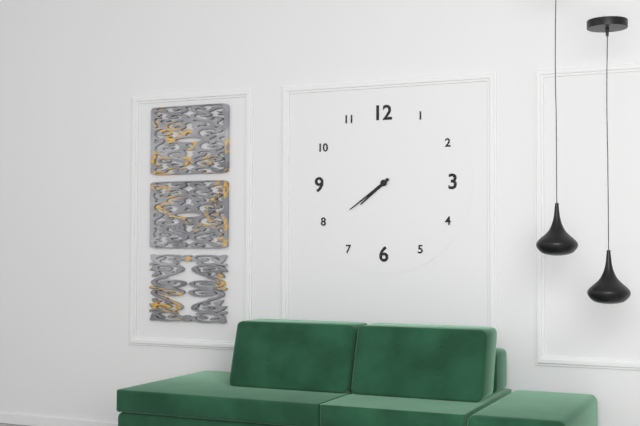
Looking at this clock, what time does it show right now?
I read 7:39
